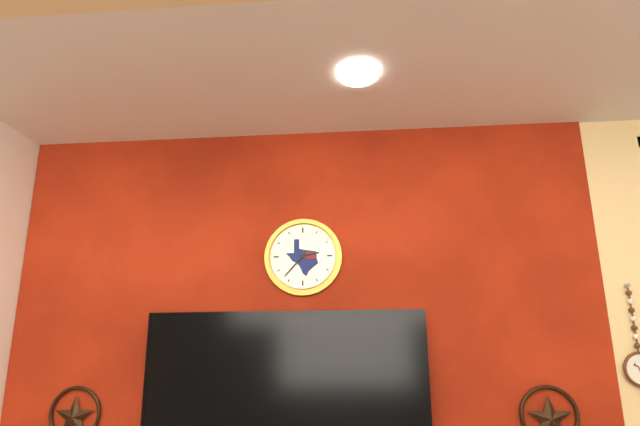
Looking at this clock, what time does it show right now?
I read 2:37
